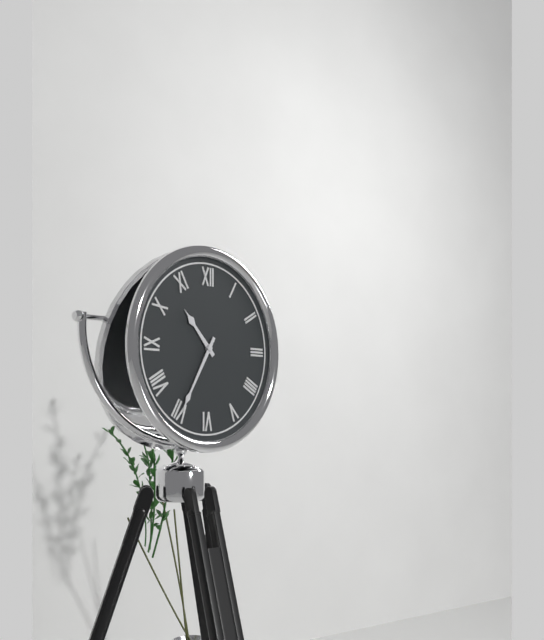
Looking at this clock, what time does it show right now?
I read 10:35
